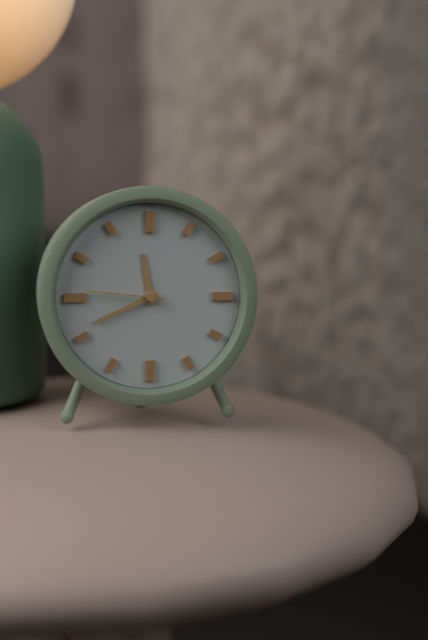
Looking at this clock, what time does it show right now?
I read 11:41:46
